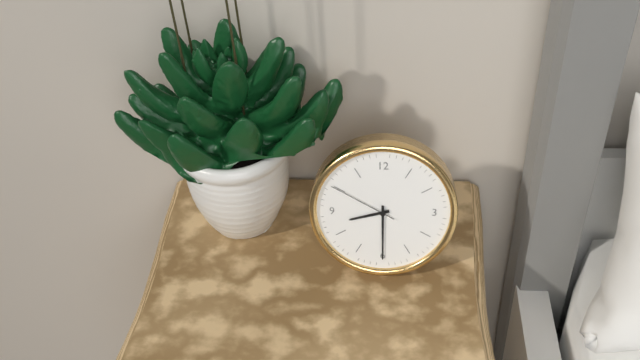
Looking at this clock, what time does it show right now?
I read 8:30:50
